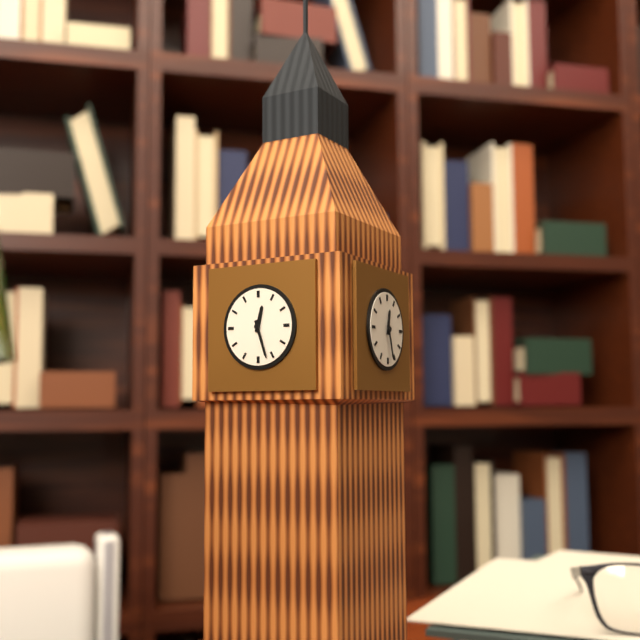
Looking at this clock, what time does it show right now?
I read 12:27
